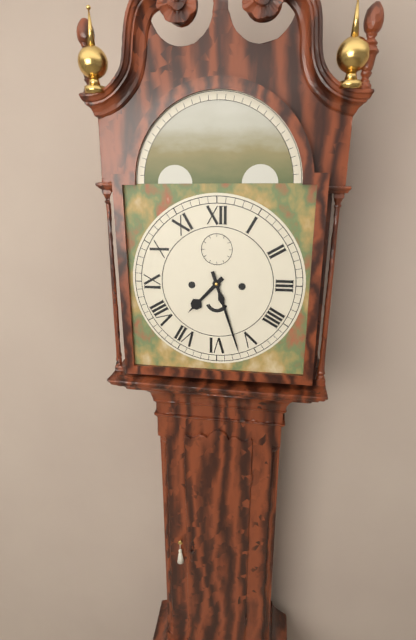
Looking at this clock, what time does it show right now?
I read 7:27
